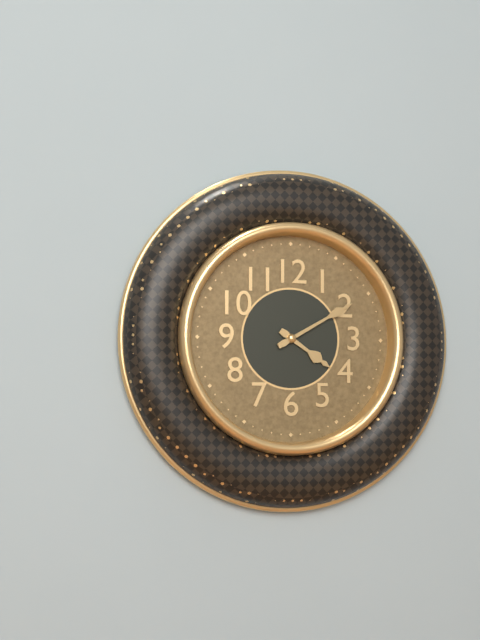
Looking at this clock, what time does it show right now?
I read 4:10
